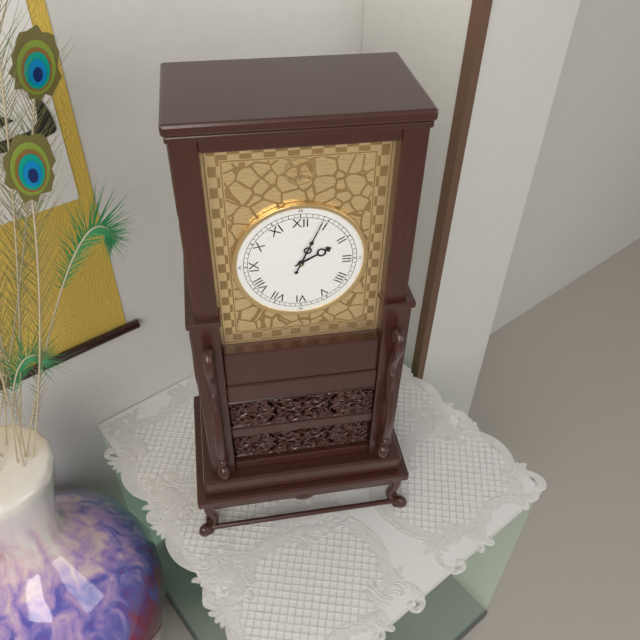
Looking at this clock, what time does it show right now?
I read 2:04
